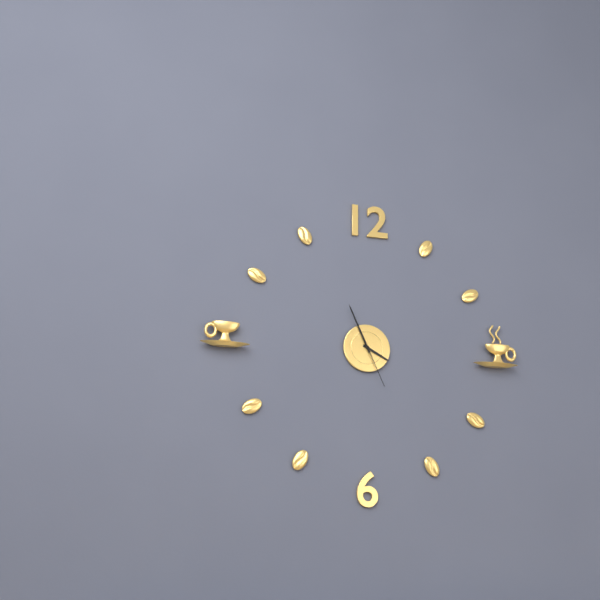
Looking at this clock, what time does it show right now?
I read 3:56:26
